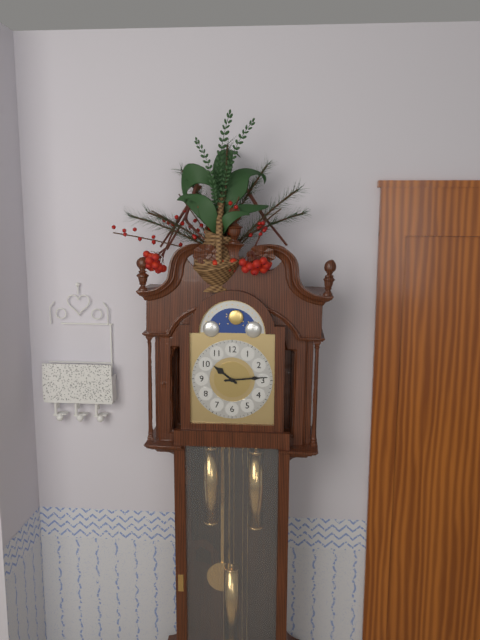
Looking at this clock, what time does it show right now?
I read 10:14
